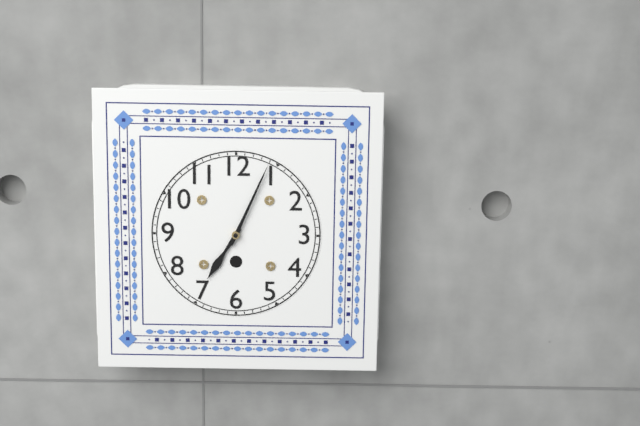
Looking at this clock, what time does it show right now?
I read 7:04
